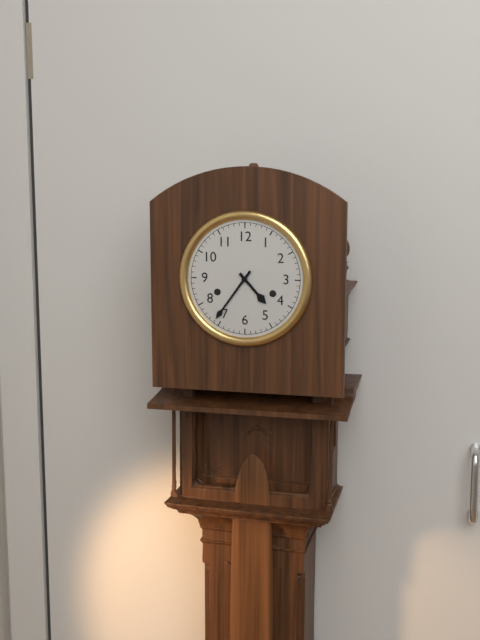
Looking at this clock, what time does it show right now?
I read 4:36
